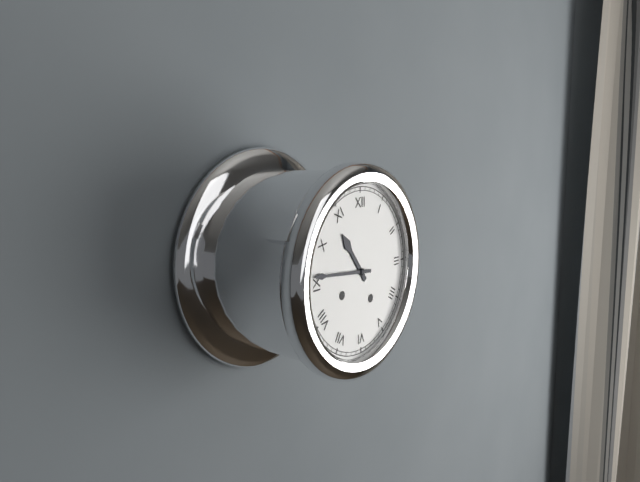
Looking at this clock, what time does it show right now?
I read 10:46
